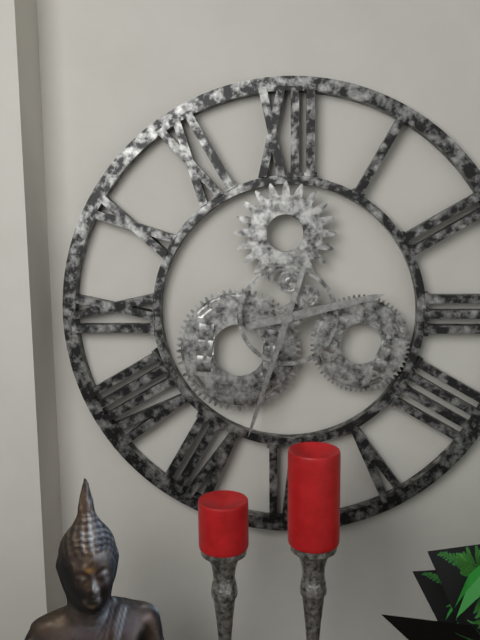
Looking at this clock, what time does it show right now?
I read 2:33
